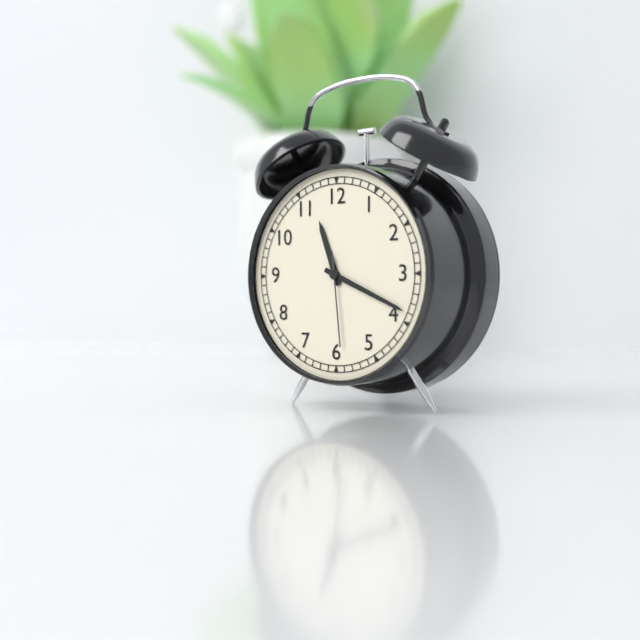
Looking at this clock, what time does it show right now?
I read 11:19:29
